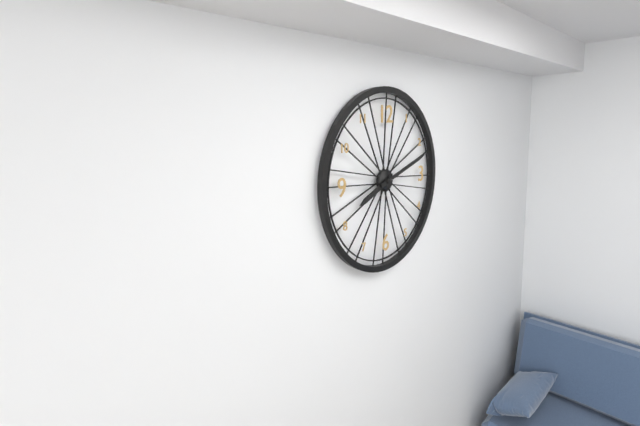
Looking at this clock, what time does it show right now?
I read 8:12
